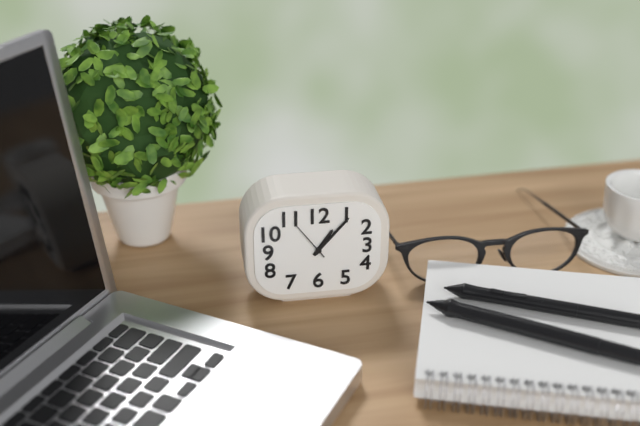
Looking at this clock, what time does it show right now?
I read 1:07
